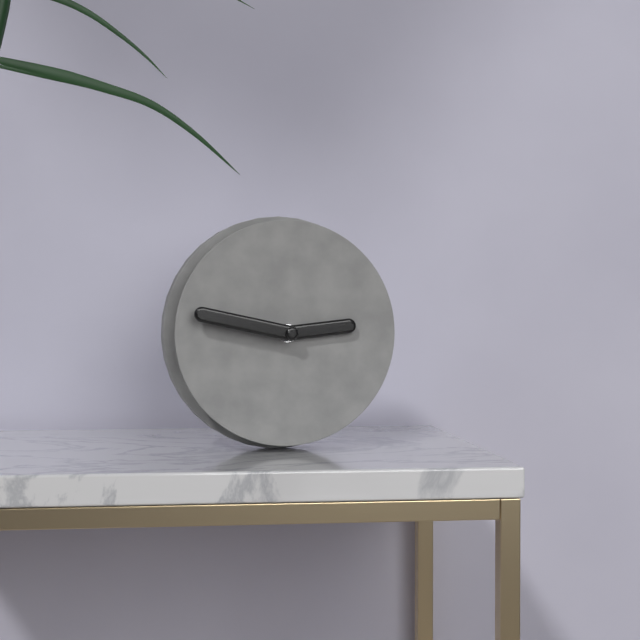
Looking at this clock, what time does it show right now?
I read 2:47
